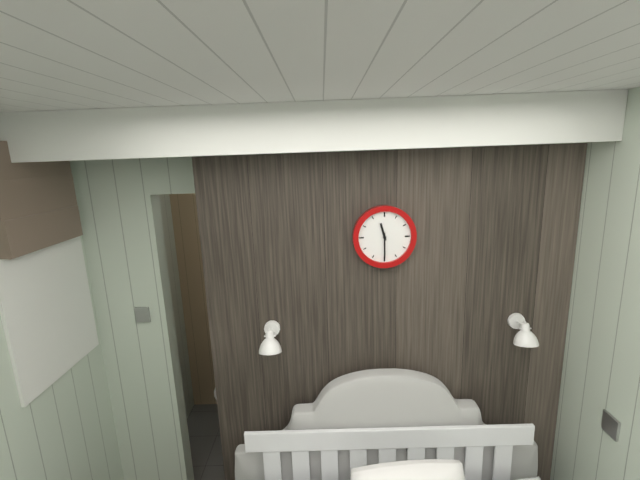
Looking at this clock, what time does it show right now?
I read 11:30
